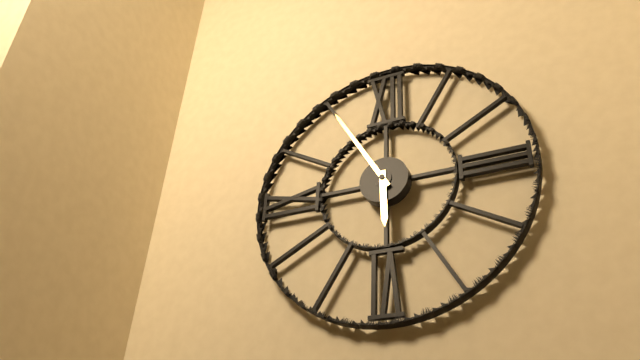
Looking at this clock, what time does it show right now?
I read 5:55
